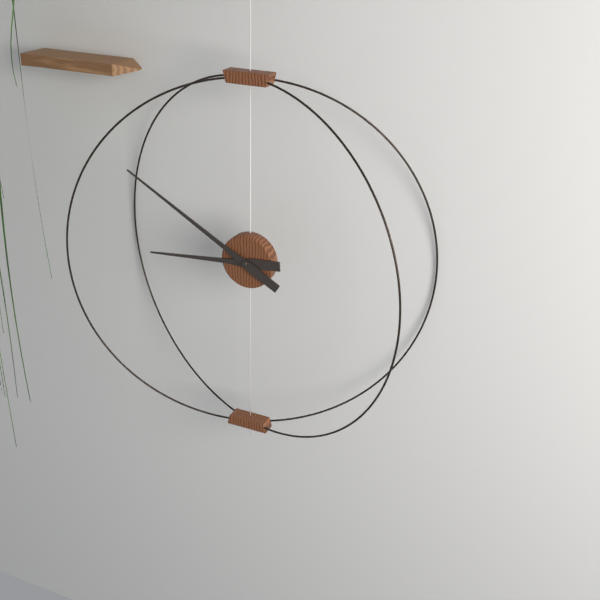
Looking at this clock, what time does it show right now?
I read 8:50
